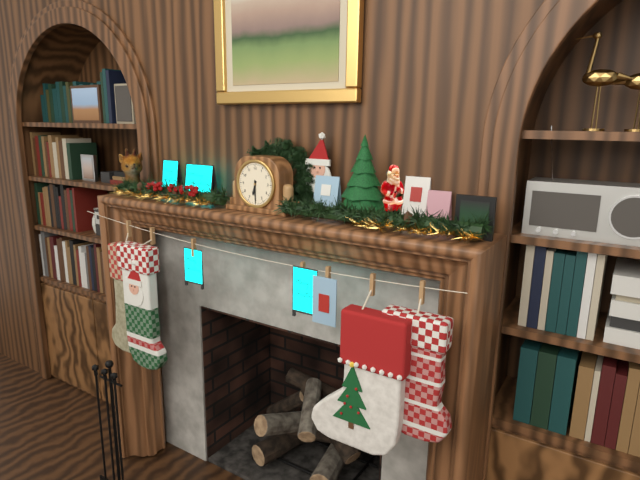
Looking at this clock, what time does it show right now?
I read 6:30
